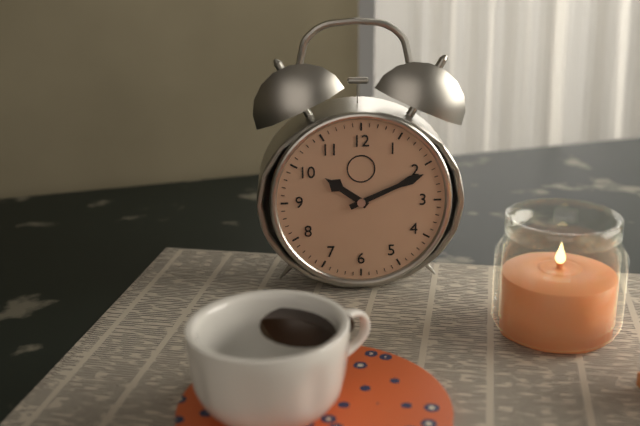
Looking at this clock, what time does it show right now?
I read 10:11
